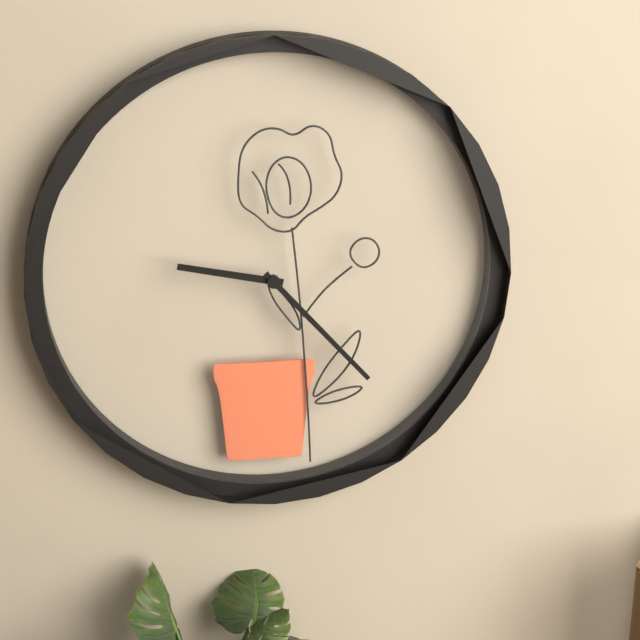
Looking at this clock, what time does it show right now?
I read 9:23
